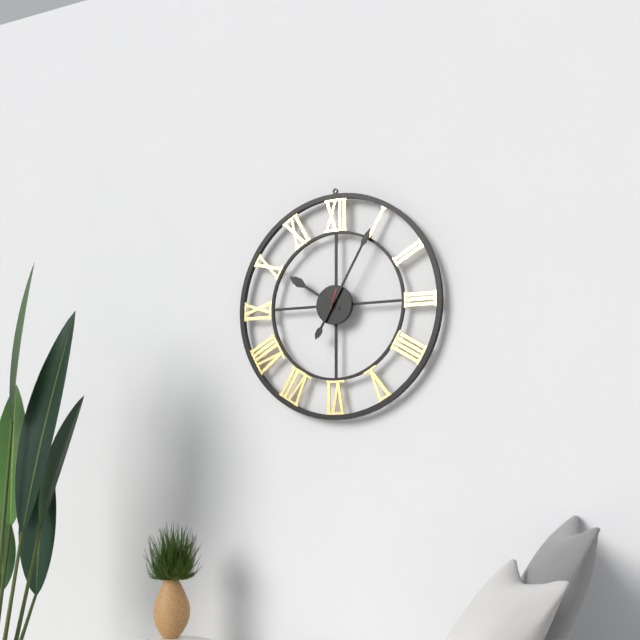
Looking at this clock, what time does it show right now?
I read 10:05
